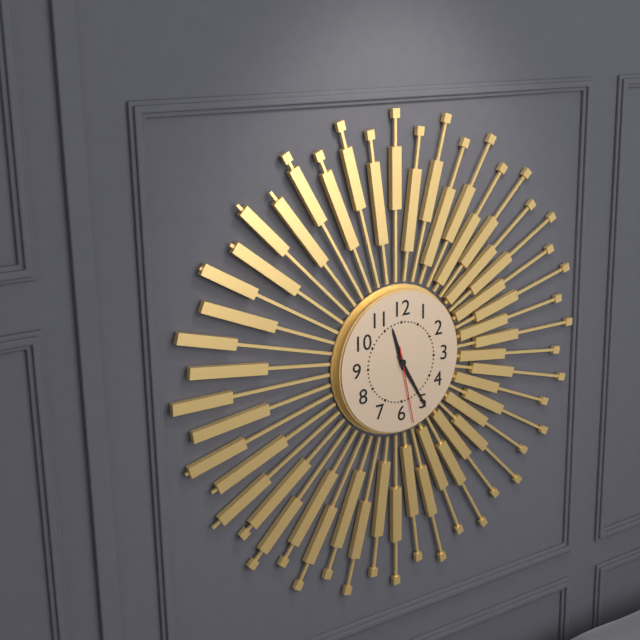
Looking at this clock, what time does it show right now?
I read 11:25:28
